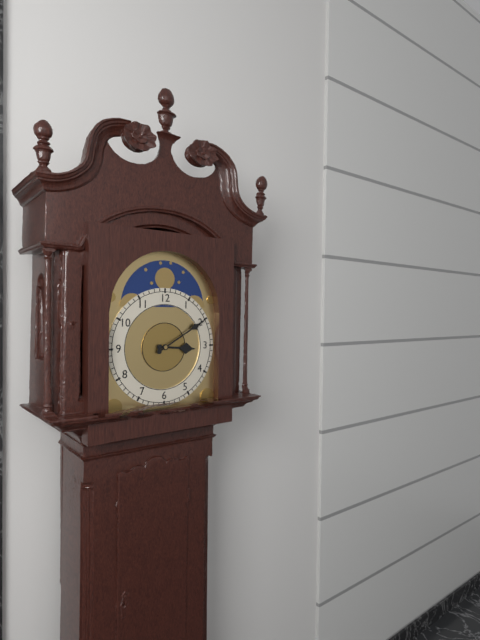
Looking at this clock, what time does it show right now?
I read 3:10
